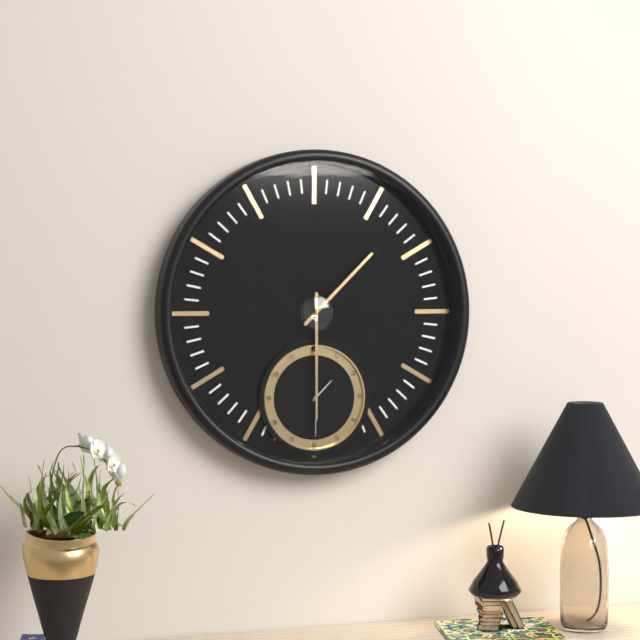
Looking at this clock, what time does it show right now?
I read 1:30
